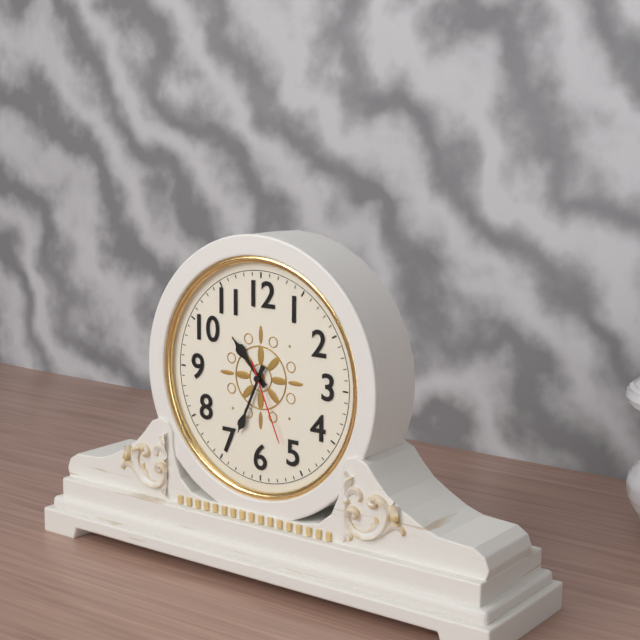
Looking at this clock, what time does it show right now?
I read 10:34:26
